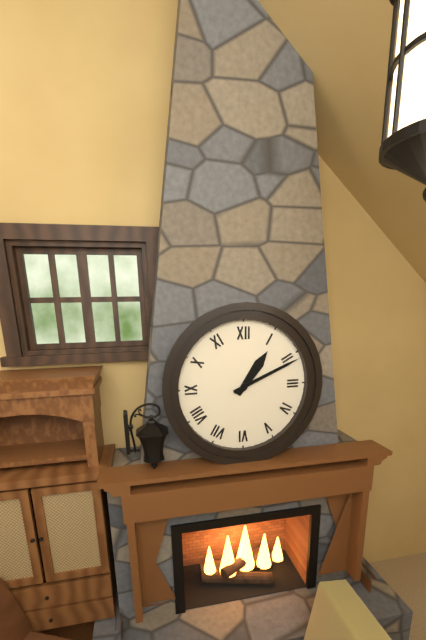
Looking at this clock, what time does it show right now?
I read 1:11
